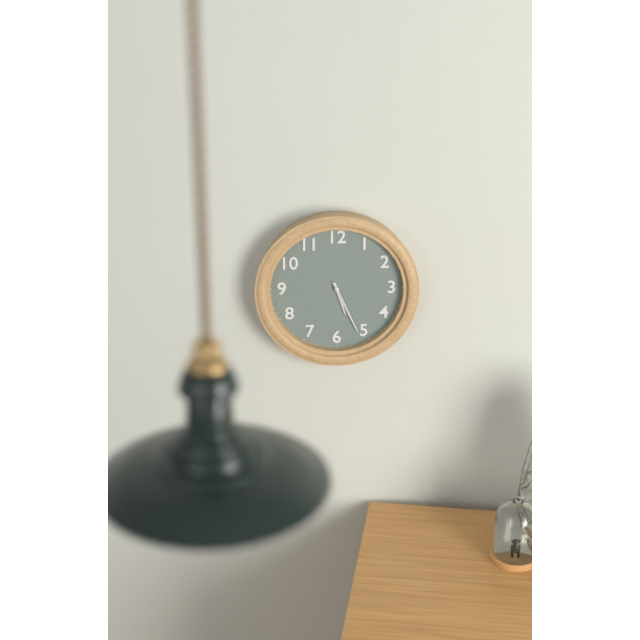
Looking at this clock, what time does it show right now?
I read 5:26
